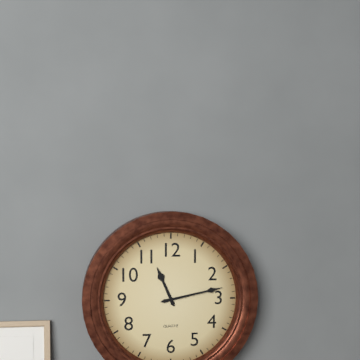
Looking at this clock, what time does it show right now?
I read 11:13
